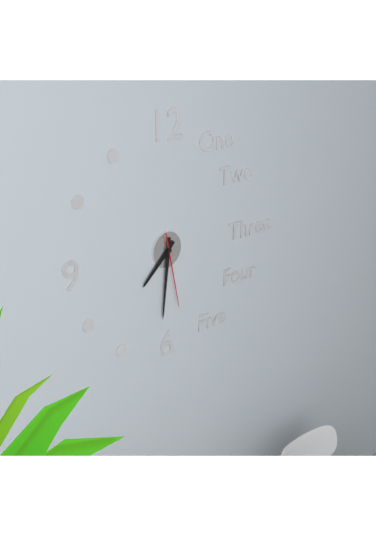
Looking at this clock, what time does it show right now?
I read 7:31:28
